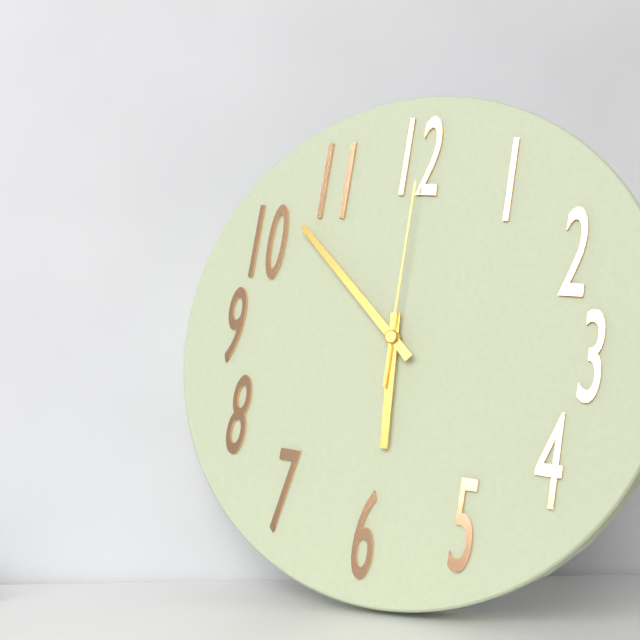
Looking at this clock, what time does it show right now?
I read 5:52:00
